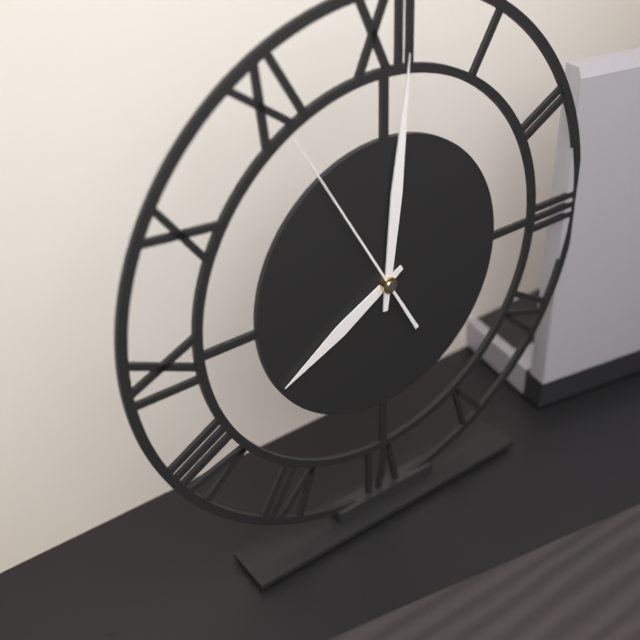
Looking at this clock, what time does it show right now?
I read 8:01:55
